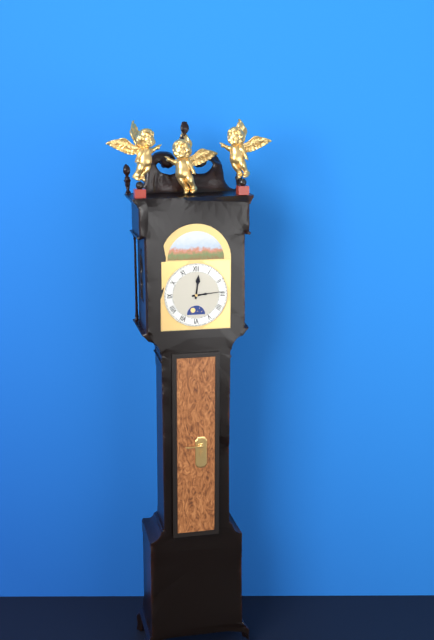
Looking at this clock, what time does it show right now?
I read 12:14
